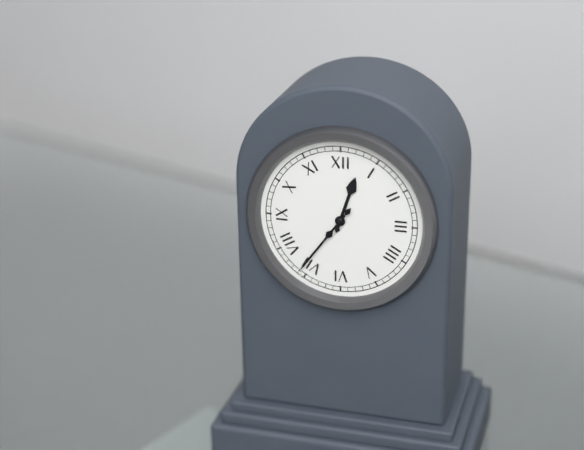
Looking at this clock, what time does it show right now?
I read 12:36
